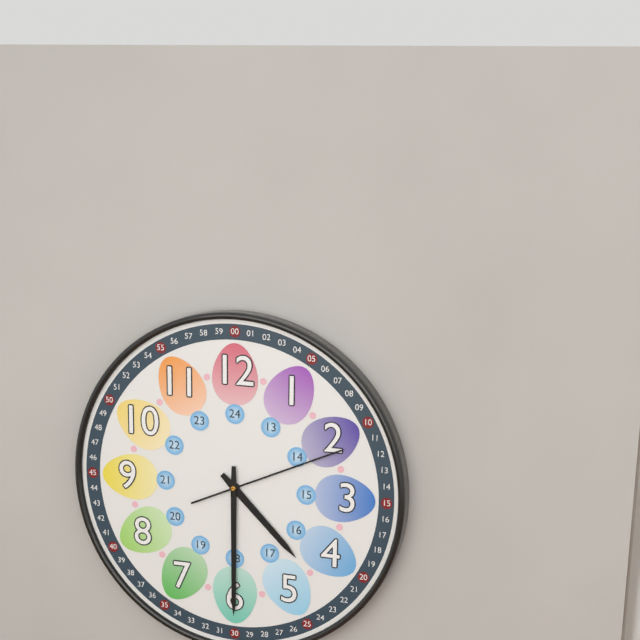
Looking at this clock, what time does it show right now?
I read 4:30:11
